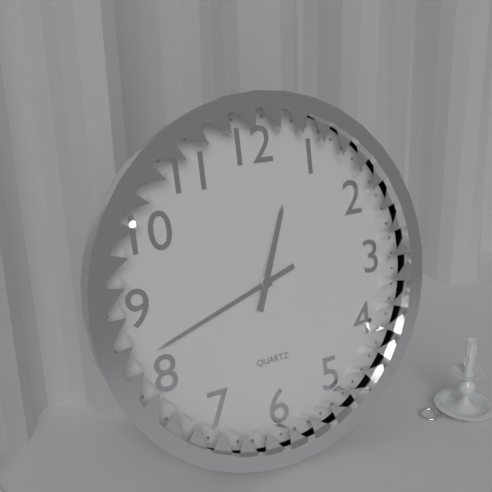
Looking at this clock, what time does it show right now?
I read 12:42
